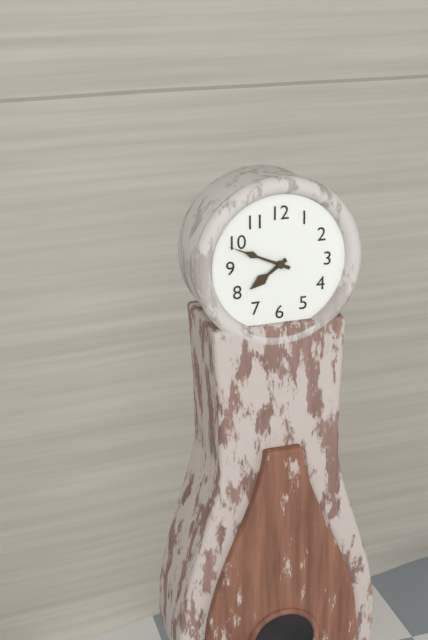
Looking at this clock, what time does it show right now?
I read 7:49
